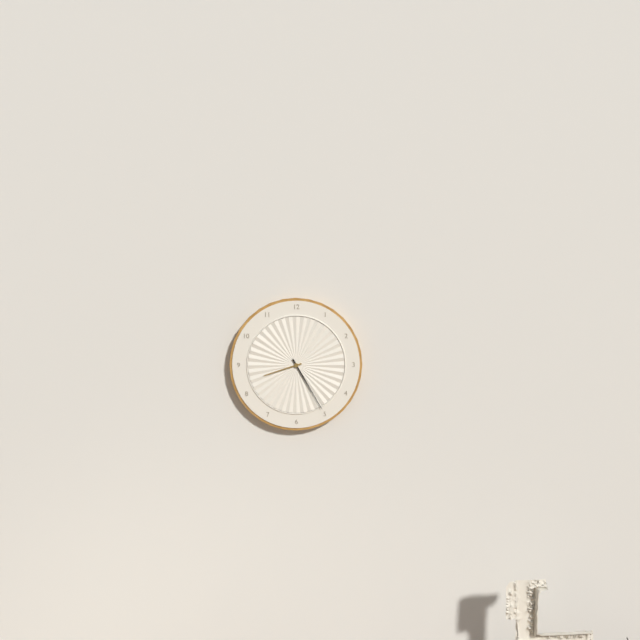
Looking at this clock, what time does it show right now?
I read 8:25
